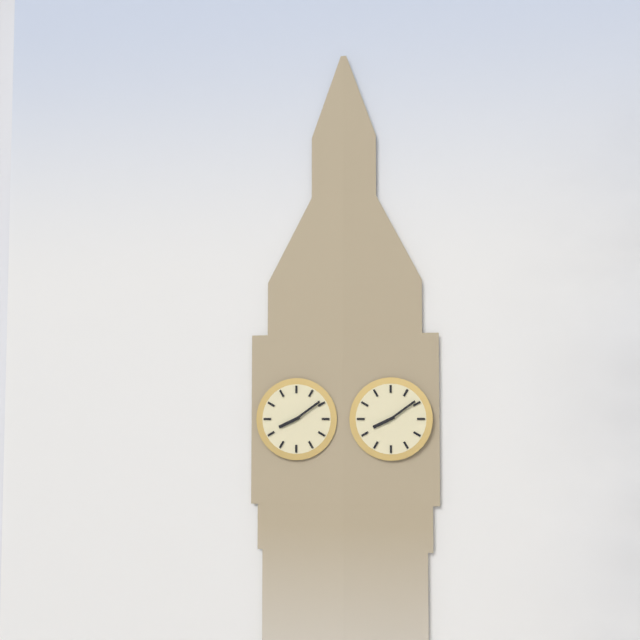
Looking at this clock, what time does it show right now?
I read 8:09
